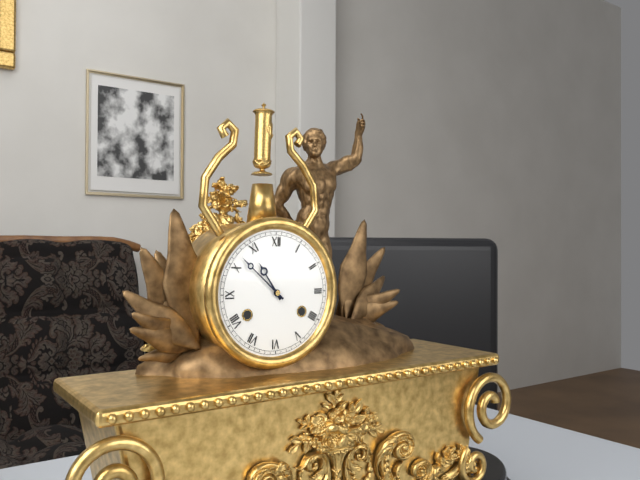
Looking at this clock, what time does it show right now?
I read 10:52
